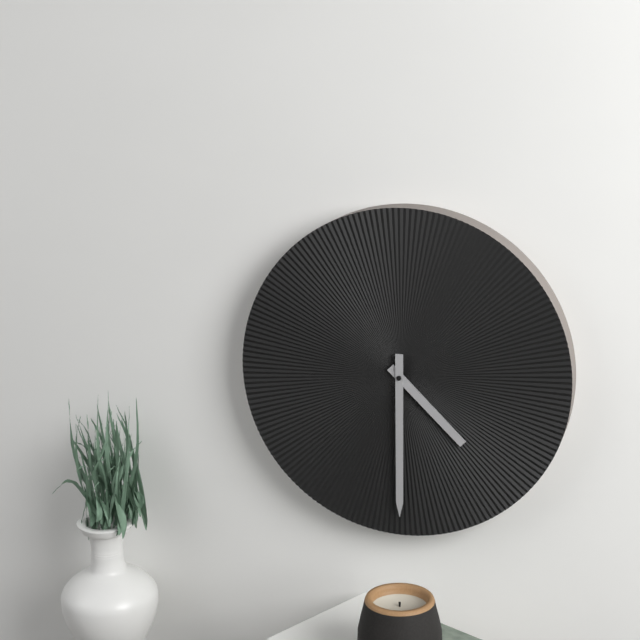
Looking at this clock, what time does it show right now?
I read 4:30
